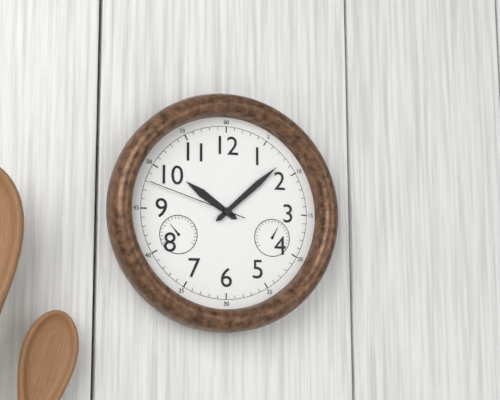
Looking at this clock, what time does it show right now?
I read 10:08:48
